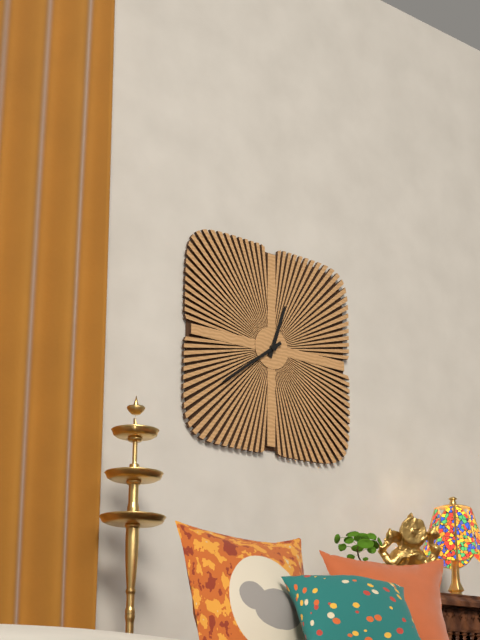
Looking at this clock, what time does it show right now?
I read 12:39
